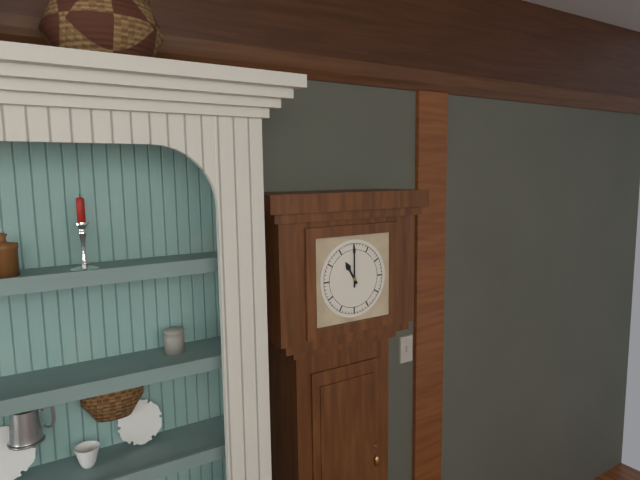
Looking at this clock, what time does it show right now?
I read 11:00
